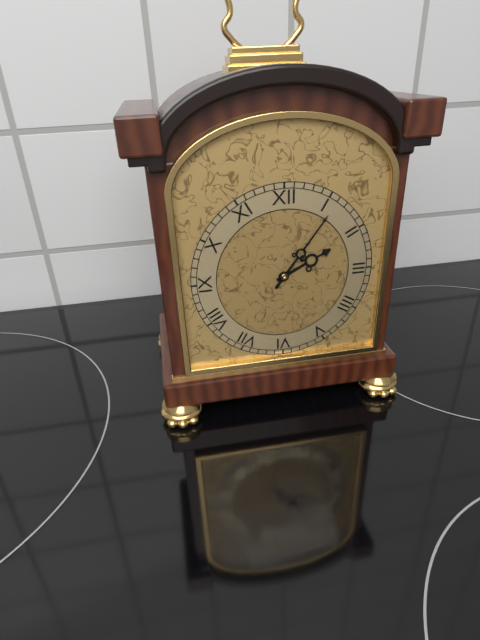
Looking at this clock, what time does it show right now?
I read 2:06
